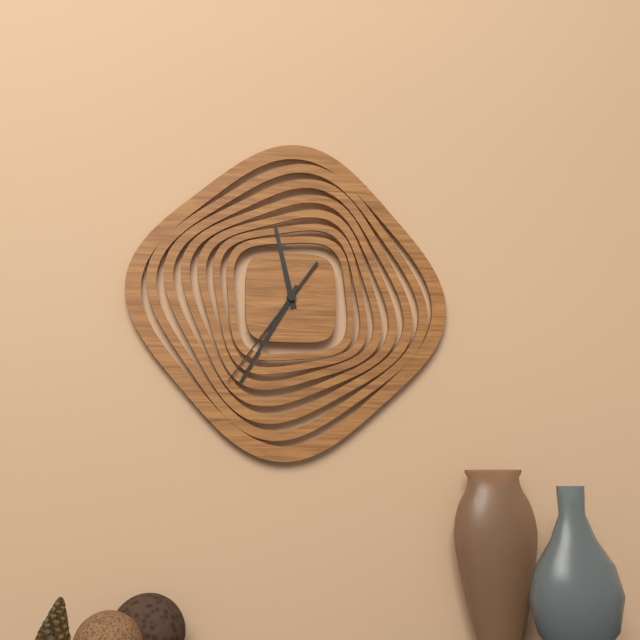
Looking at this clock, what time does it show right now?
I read 11:35:36
